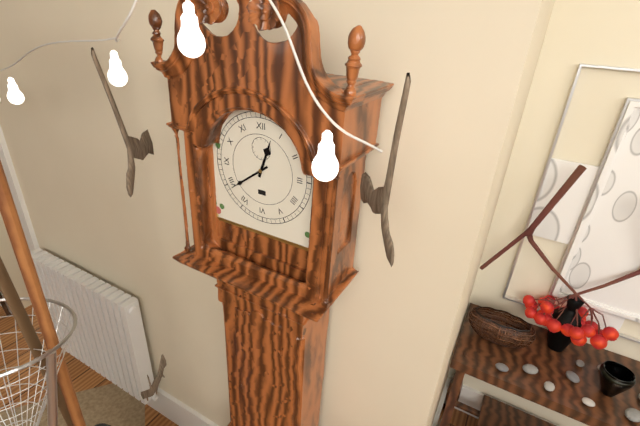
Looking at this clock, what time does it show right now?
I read 12:39
